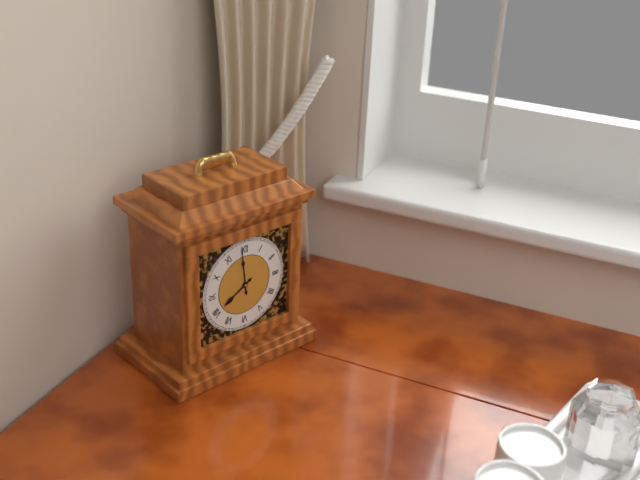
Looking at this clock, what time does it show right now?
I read 7:59
